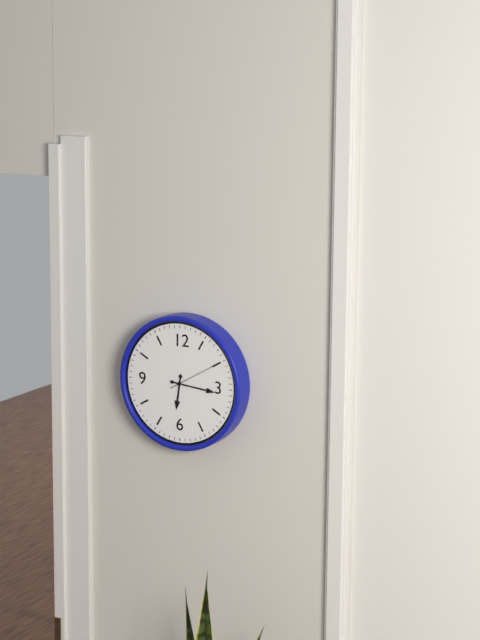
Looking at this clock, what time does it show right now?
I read 6:16:10
